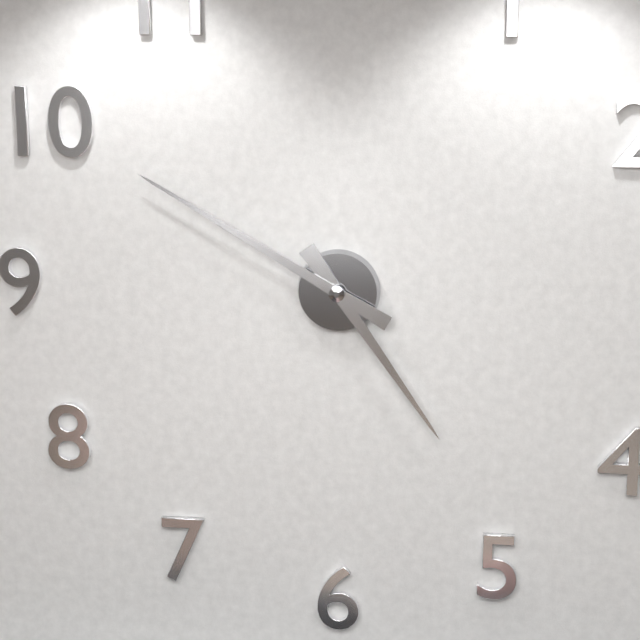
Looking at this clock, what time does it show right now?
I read 4:50
